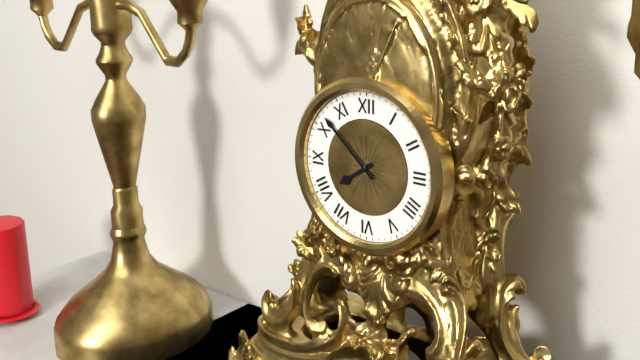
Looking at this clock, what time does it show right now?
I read 7:52
